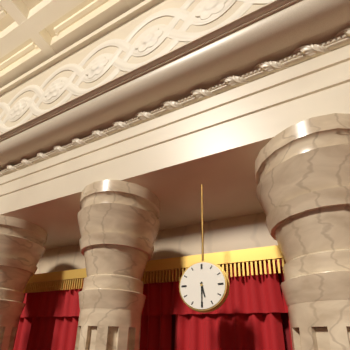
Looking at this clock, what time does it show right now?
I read 5:30
